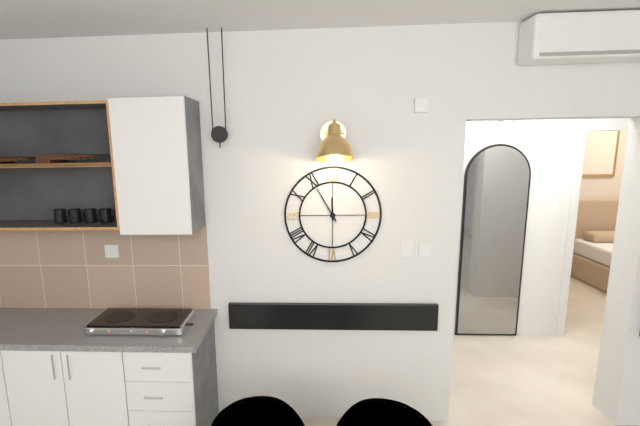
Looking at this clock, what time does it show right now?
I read 11:55
